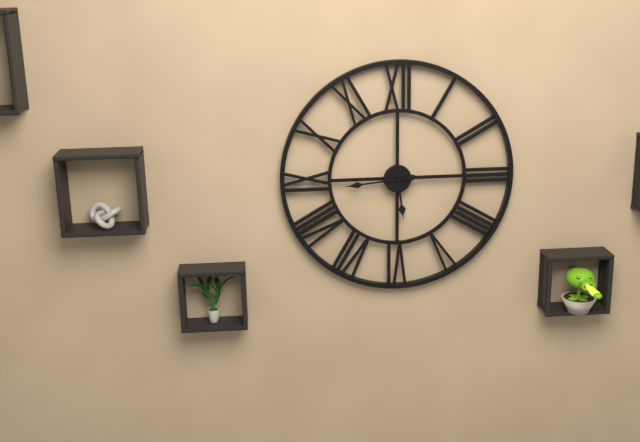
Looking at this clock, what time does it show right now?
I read 5:44
